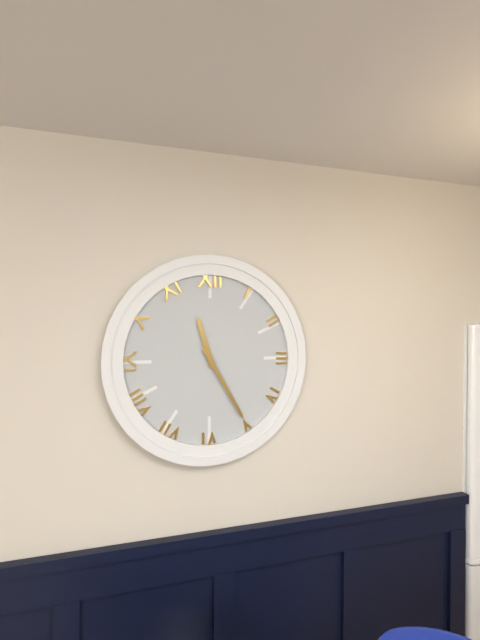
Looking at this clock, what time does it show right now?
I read 11:25
